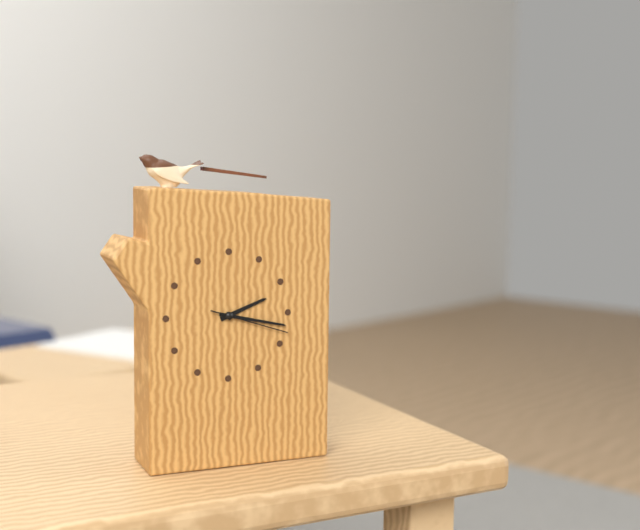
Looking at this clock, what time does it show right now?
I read 2:17:18
